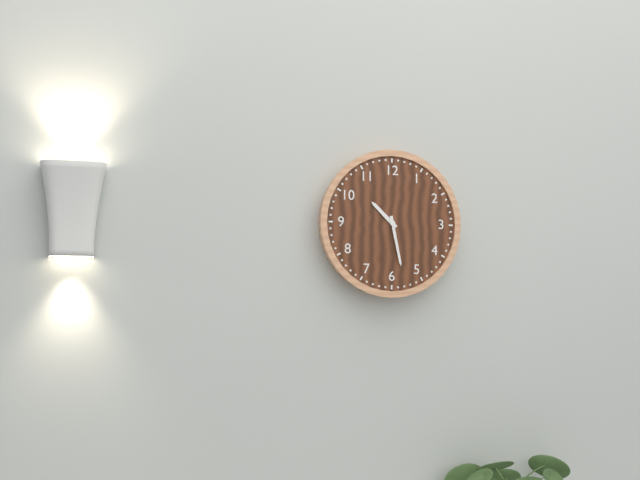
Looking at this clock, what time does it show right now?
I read 10:28
